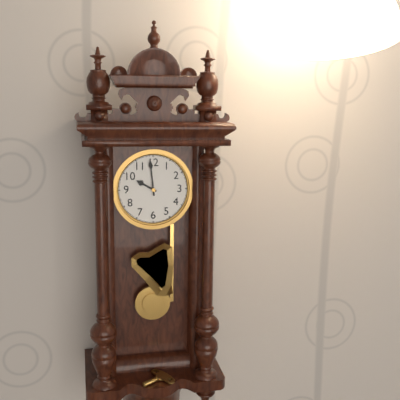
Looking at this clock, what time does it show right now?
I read 9:59
